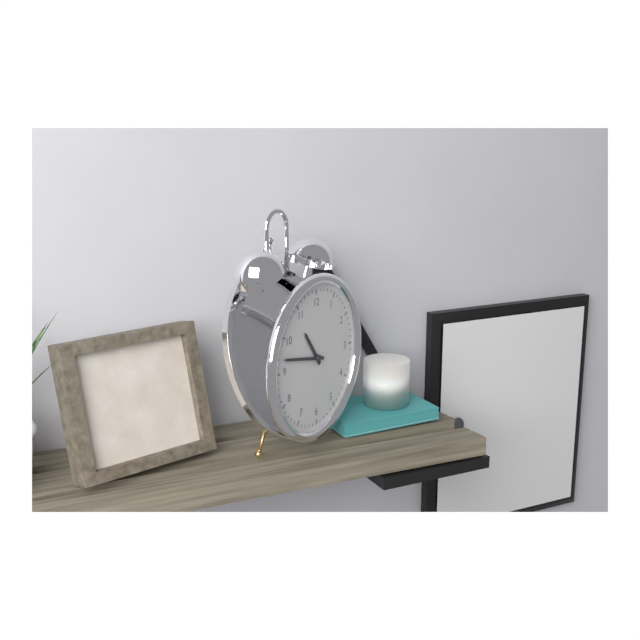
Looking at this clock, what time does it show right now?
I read 10:47
